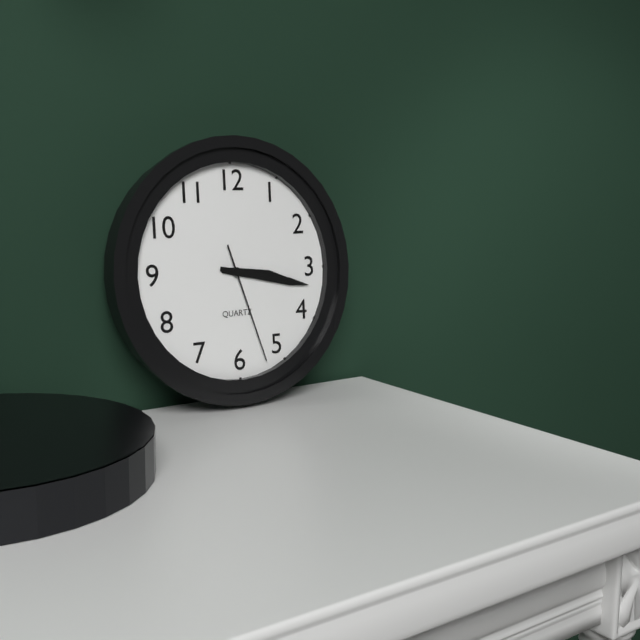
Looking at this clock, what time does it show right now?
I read 3:17:27
